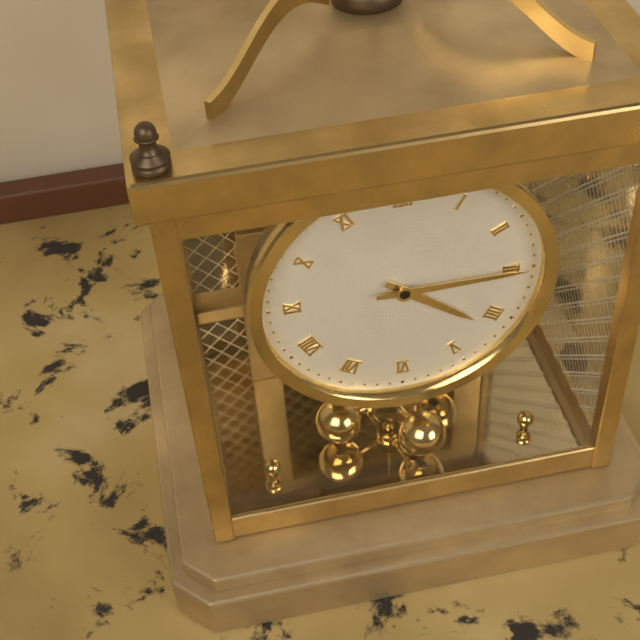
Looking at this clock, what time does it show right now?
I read 4:15
